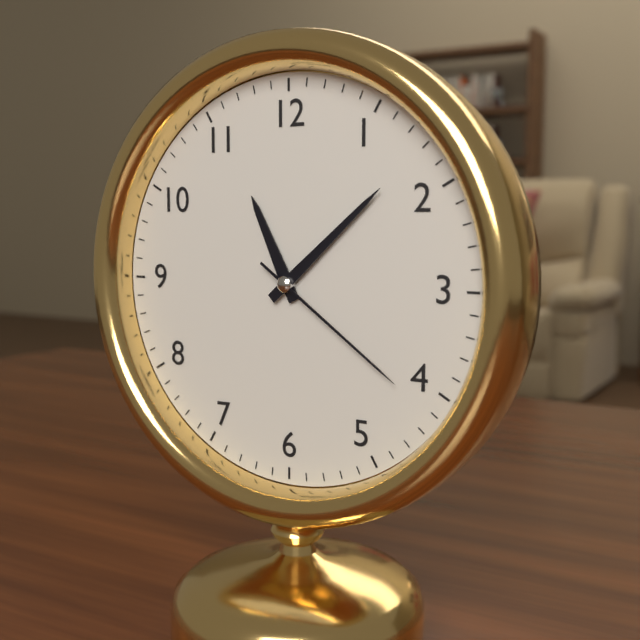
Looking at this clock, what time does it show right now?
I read 11:08:21
